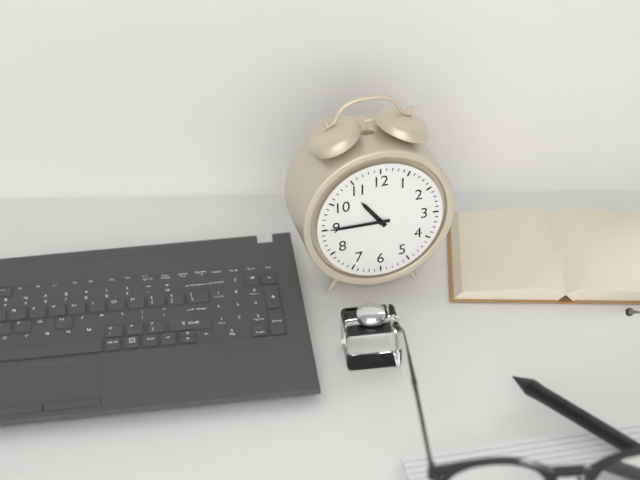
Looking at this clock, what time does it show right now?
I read 10:45
